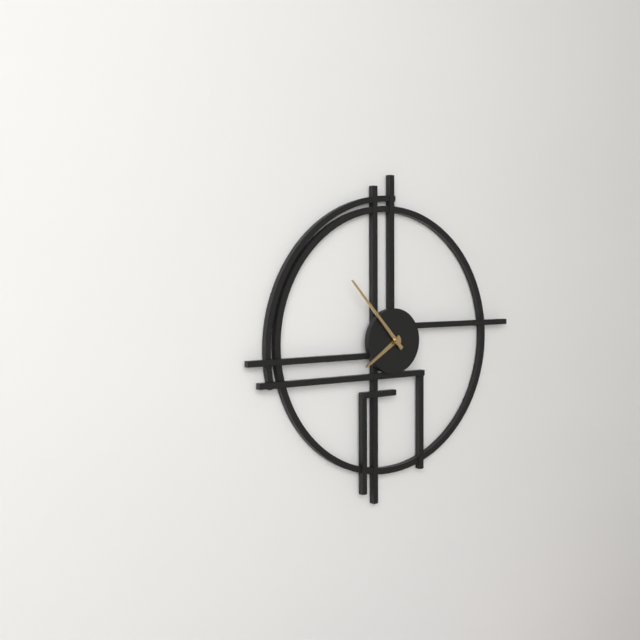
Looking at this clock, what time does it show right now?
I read 7:53
